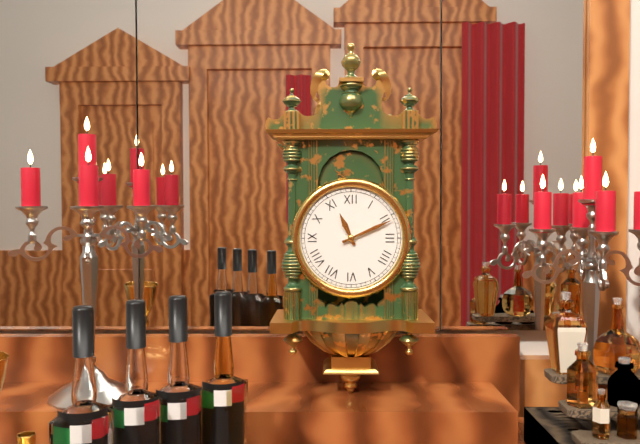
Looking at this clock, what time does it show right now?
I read 11:11
